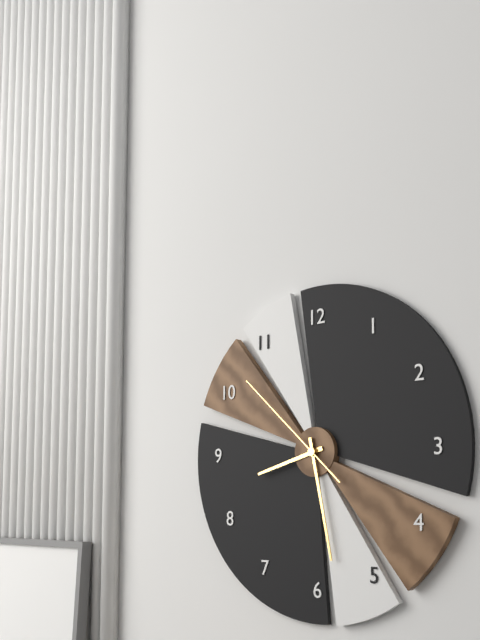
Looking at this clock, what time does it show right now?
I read 8:28:52
